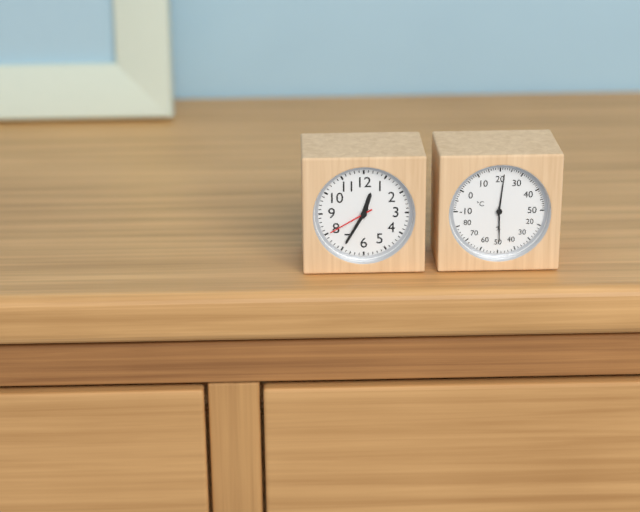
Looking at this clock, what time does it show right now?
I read 12:35
